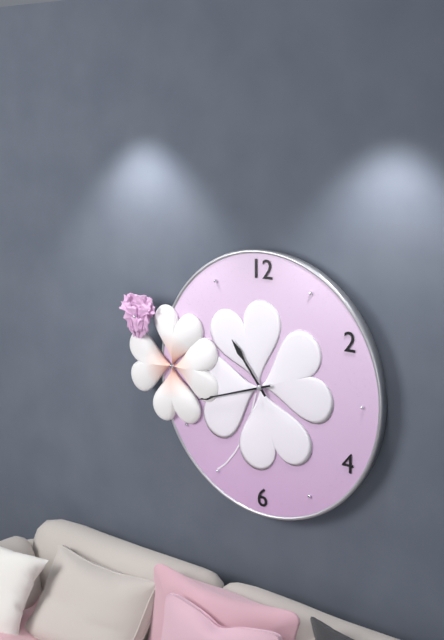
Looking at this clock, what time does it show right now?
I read 10:42
